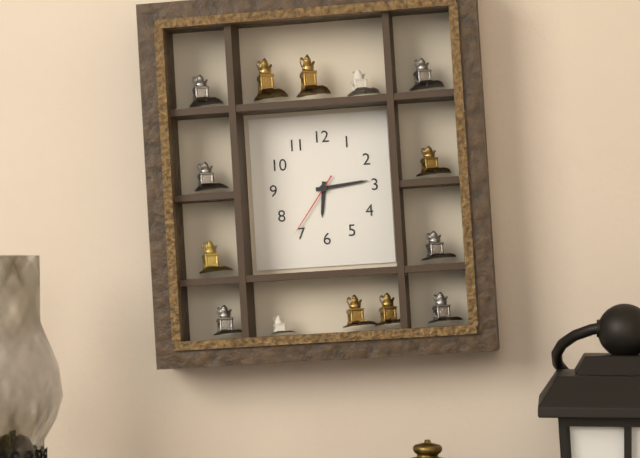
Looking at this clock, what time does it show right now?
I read 6:14:36
